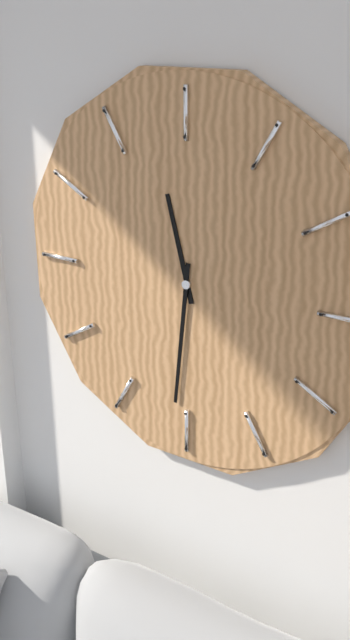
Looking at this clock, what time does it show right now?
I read 11:31
